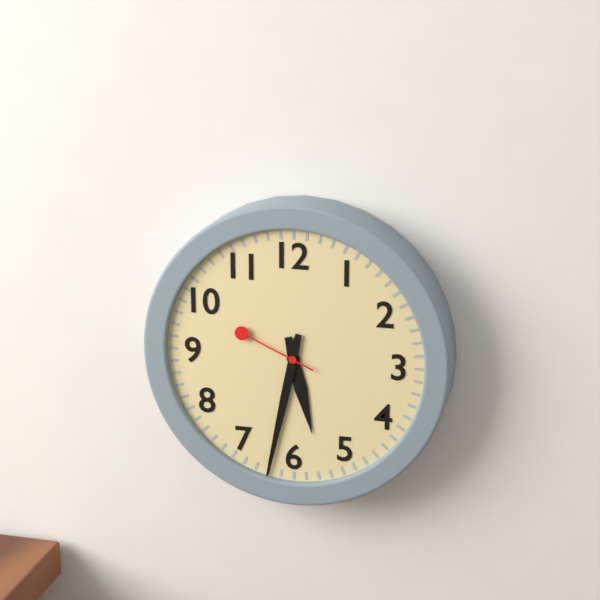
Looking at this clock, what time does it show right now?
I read 5:32:49
